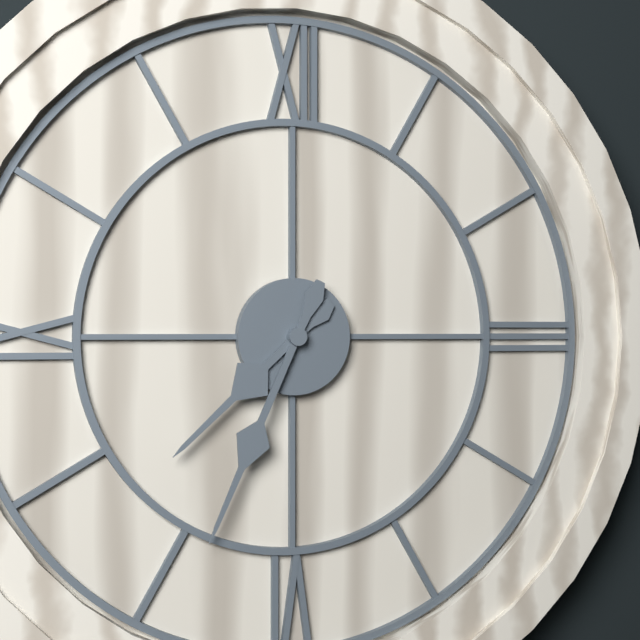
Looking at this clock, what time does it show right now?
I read 7:34
